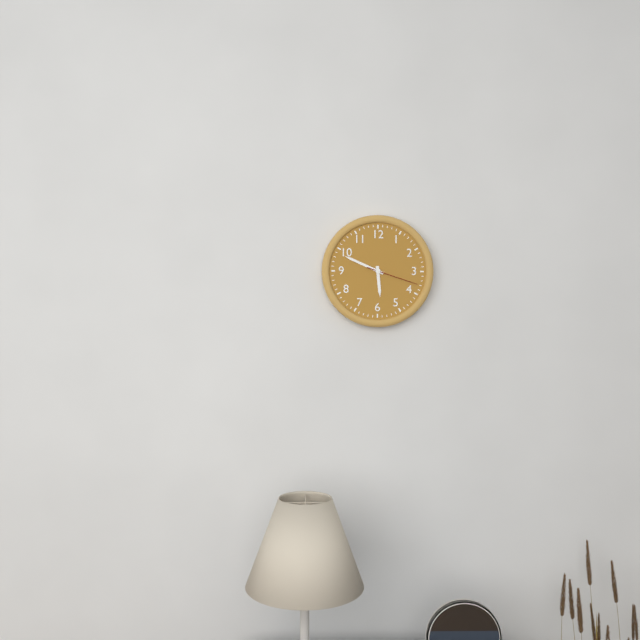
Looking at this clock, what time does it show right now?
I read 5:49:18
